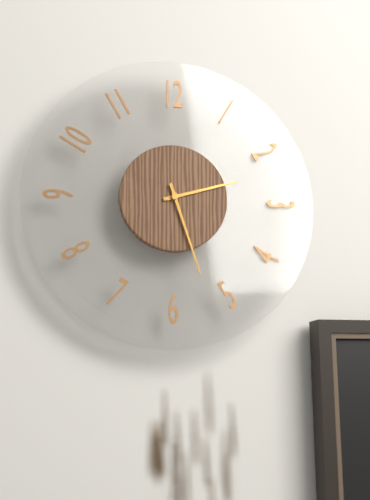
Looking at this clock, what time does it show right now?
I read 2:27
